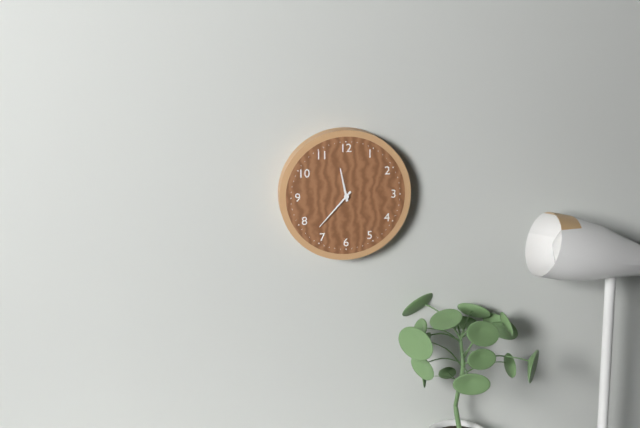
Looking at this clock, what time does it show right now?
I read 11:37
